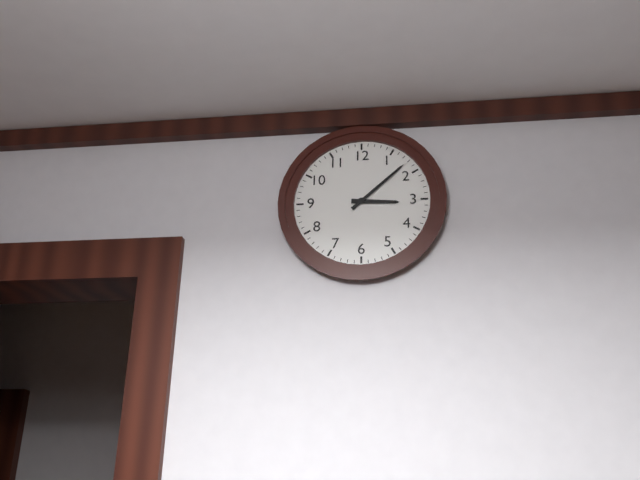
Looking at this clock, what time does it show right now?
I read 3:08
